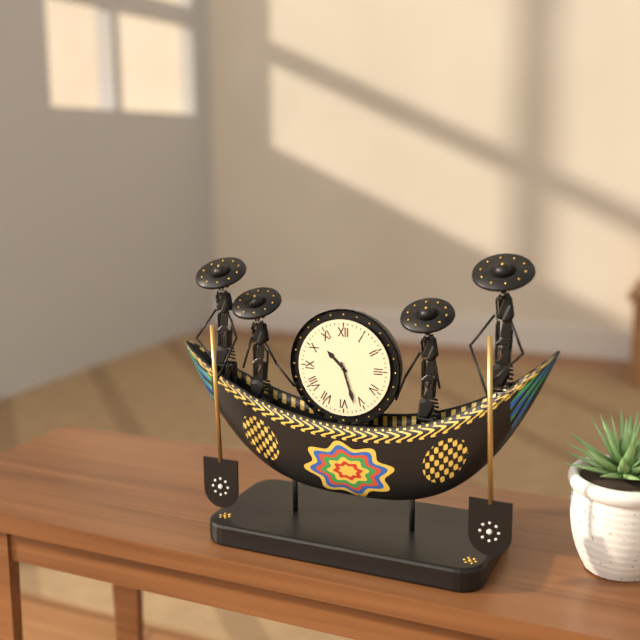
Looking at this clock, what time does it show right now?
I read 10:27
